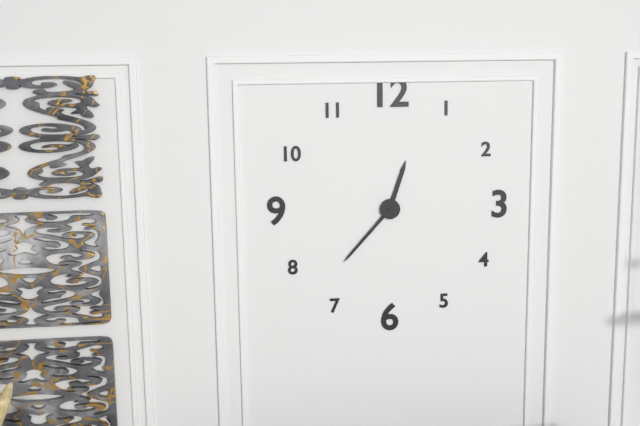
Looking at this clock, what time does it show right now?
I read 12:37
